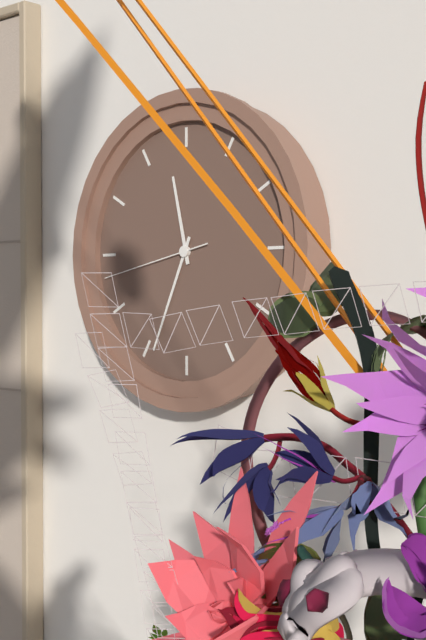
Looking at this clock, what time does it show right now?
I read 11:34:43
